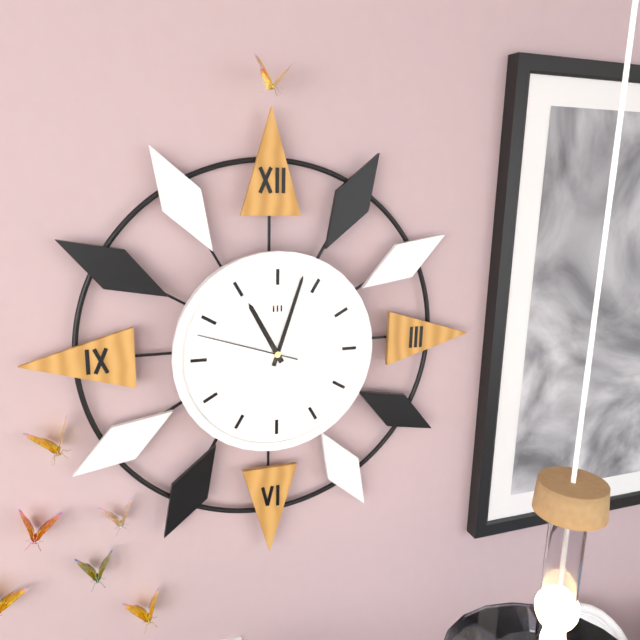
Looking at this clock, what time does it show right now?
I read 11:03:48
